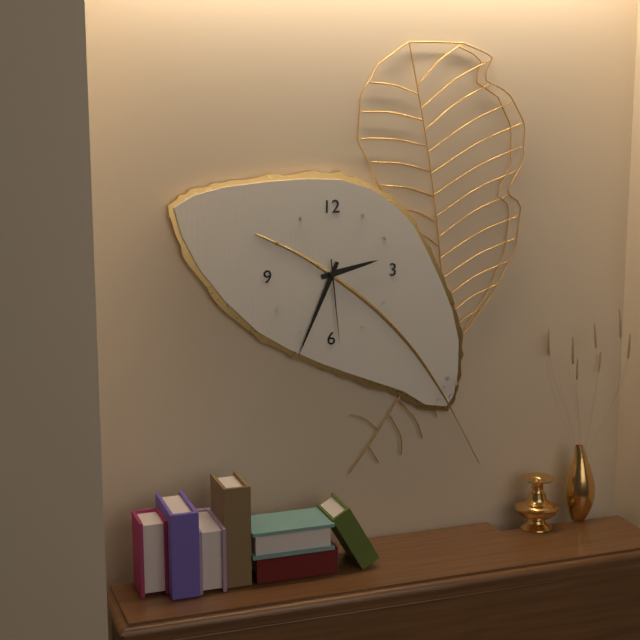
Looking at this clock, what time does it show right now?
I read 2:34:29
